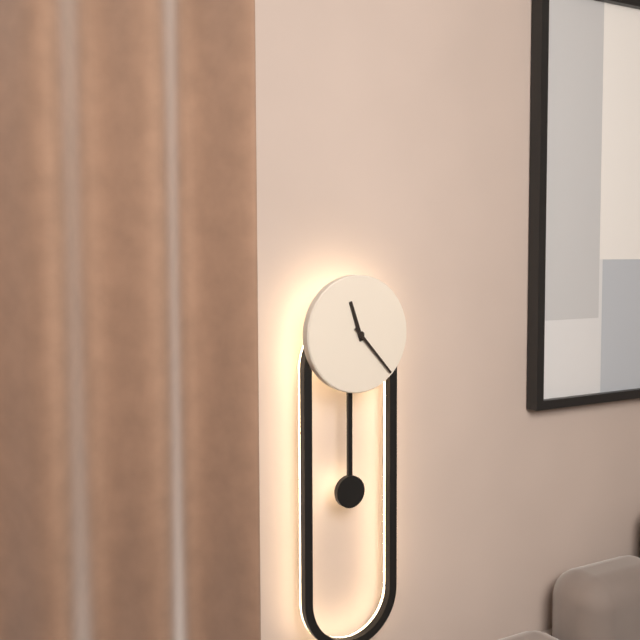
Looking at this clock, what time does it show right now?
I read 11:23
